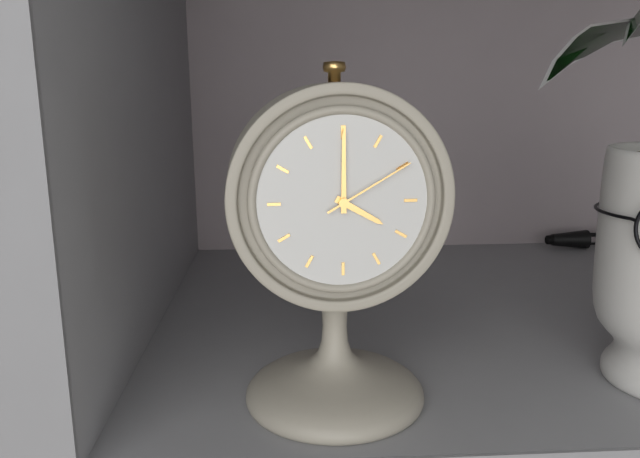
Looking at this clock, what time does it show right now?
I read 4:00:10
